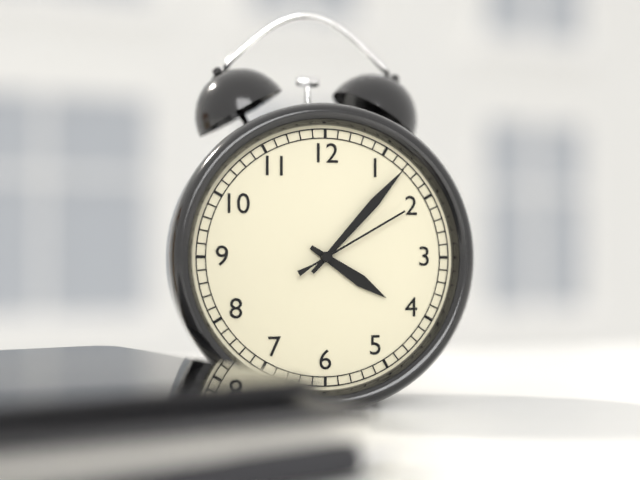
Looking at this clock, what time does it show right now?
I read 4:07:10
